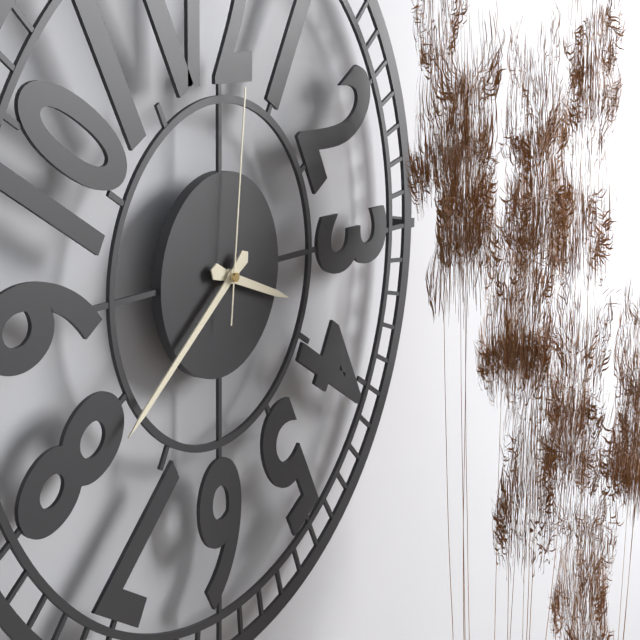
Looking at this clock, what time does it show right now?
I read 3:39:01
